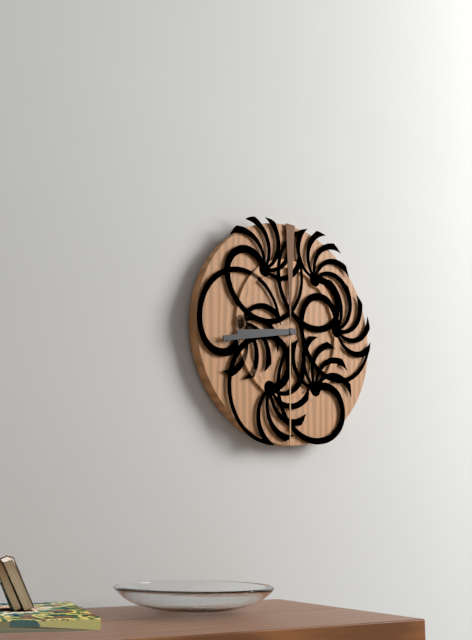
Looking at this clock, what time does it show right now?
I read 8:43
